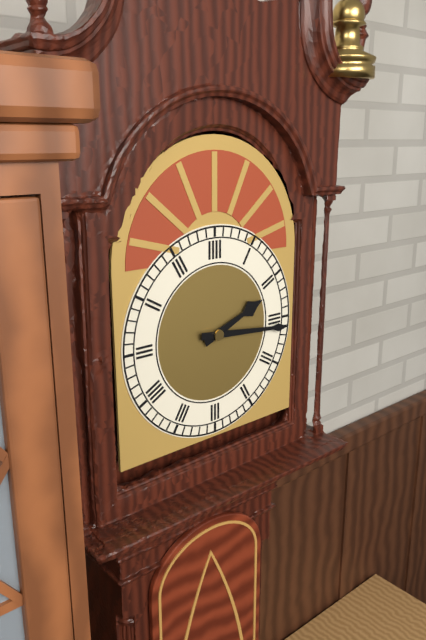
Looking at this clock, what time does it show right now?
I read 2:16
